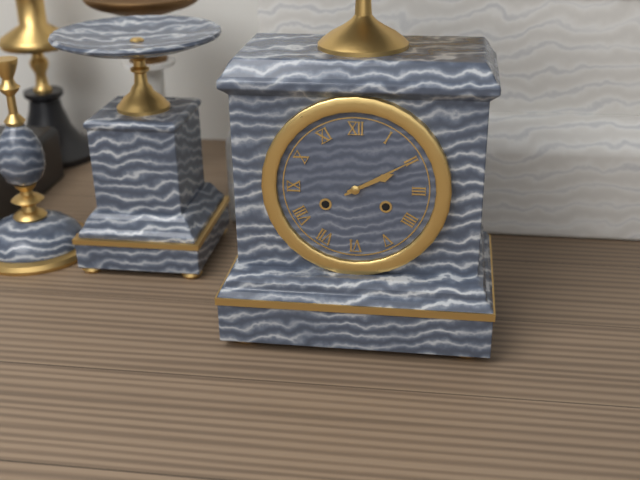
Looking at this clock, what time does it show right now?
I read 2:10
